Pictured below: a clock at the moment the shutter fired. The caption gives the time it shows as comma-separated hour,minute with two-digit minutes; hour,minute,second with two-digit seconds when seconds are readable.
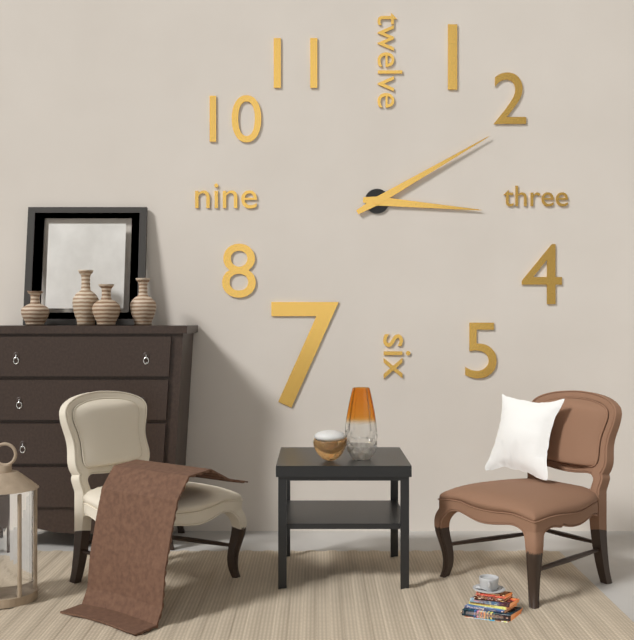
3,10
